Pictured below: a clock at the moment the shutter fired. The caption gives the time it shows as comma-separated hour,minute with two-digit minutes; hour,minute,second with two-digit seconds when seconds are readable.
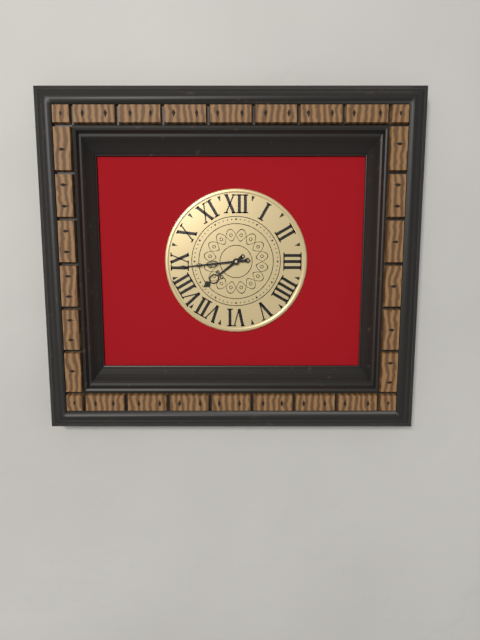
7,44
